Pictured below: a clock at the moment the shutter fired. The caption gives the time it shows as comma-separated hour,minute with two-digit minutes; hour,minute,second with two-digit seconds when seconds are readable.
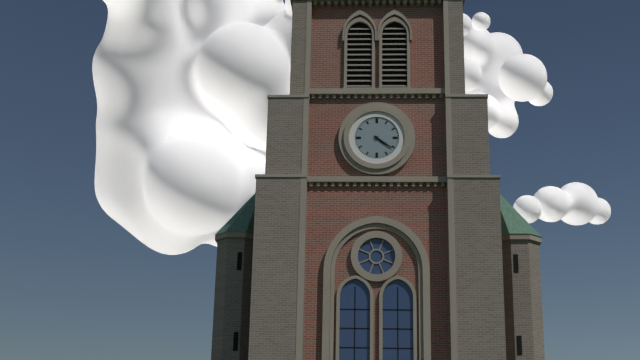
4,21
